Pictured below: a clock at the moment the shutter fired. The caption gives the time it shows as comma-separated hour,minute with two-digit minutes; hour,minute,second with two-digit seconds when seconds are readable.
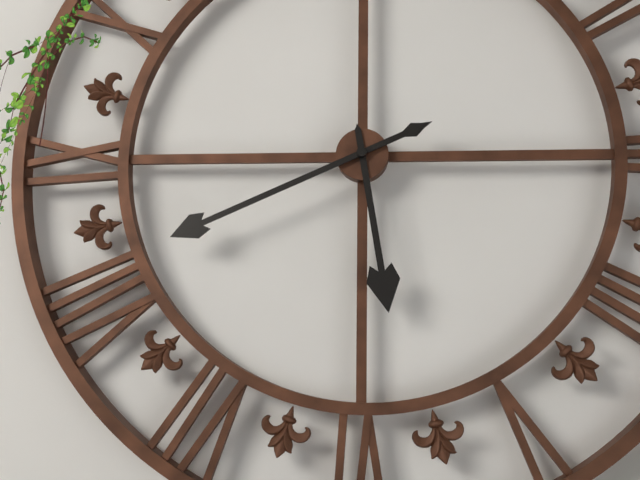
5,41
